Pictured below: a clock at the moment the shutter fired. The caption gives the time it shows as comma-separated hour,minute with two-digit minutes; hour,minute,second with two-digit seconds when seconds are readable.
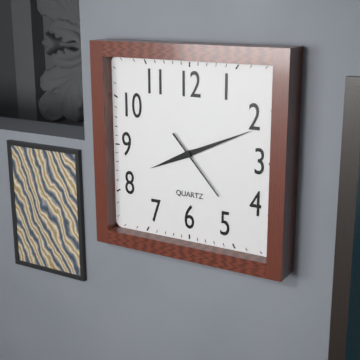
8,11,23
